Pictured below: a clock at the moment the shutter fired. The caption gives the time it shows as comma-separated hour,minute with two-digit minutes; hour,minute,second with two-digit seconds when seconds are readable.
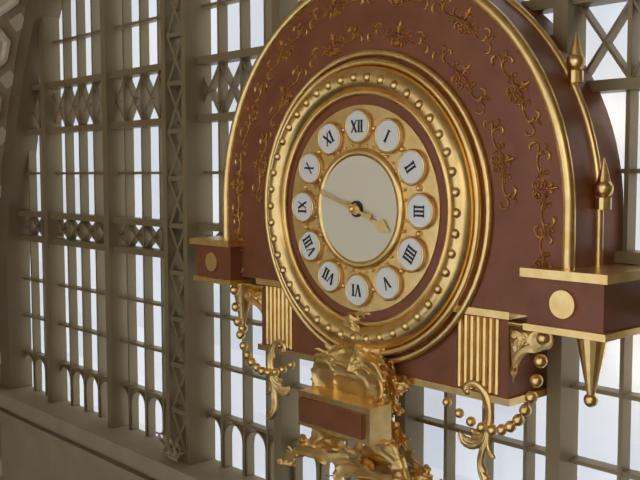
3,48
